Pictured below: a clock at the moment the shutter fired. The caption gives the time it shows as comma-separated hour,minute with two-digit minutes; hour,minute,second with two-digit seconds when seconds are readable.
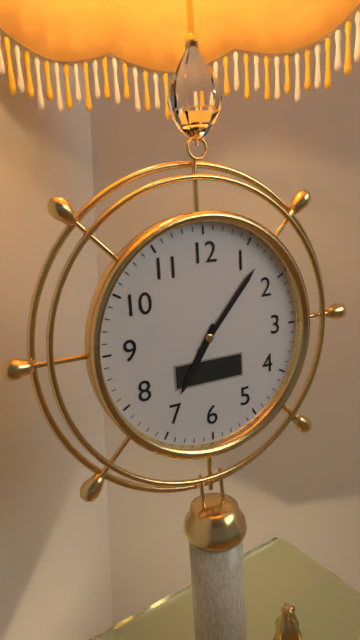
7,07
